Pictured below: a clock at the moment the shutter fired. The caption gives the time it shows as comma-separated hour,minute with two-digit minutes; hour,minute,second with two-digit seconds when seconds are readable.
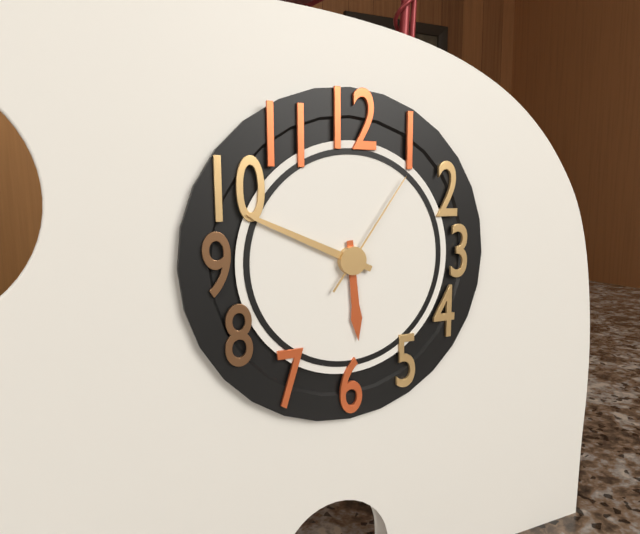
5,49,06
